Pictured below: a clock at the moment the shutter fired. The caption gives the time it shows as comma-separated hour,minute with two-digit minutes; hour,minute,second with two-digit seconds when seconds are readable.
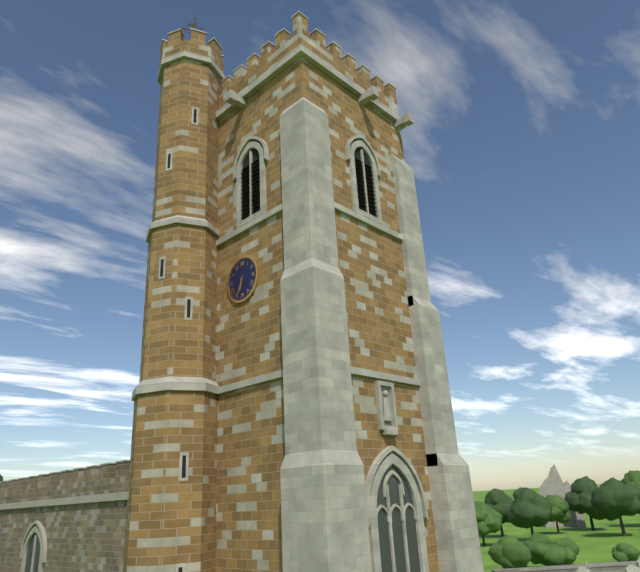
6,34
